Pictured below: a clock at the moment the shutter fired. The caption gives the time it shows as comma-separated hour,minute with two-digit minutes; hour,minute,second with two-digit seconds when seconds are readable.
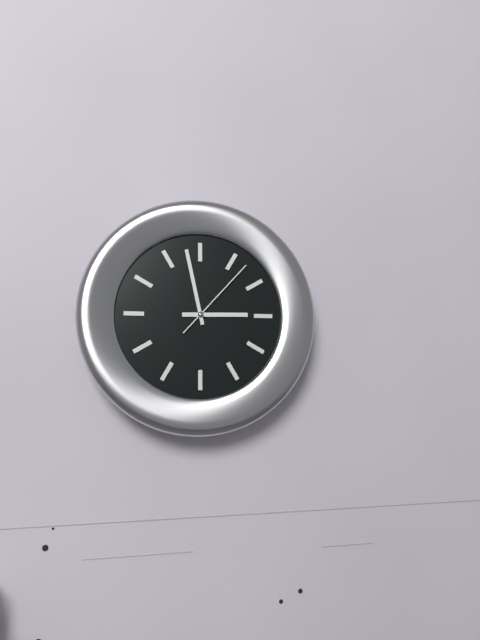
2,58,07
